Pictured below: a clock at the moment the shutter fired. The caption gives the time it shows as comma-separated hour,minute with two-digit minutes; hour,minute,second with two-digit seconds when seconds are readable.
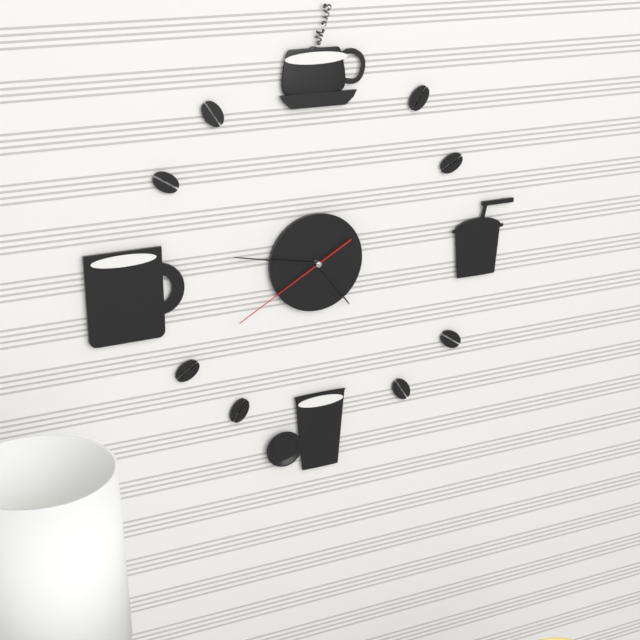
4,47,40
